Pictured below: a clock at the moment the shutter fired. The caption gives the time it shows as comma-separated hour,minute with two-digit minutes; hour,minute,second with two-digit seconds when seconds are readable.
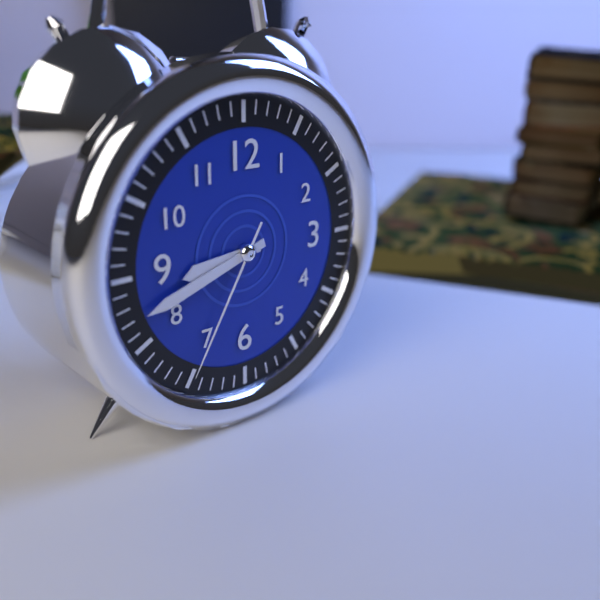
8,42,35
